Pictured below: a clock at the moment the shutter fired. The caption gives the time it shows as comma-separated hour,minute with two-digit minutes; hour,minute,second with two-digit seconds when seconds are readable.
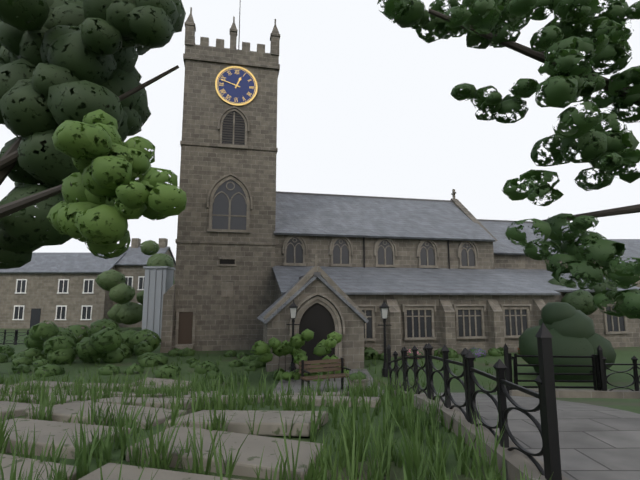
12,48
